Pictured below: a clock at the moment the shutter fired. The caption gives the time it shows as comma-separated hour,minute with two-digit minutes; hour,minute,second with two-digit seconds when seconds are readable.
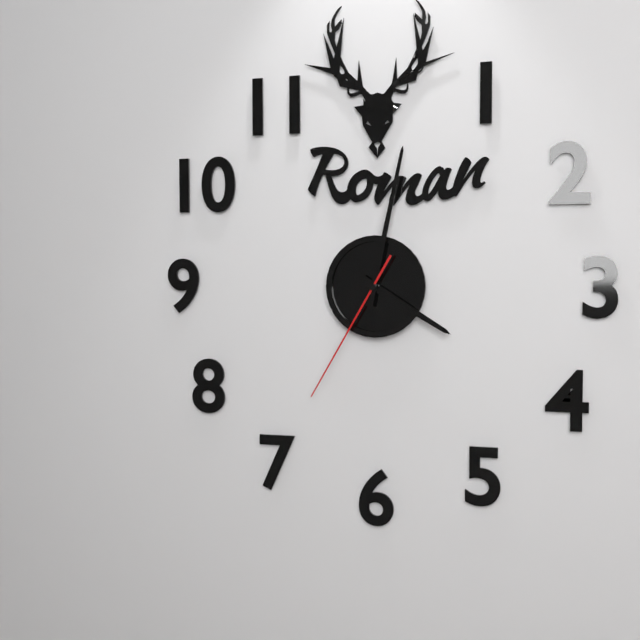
4,02,35
